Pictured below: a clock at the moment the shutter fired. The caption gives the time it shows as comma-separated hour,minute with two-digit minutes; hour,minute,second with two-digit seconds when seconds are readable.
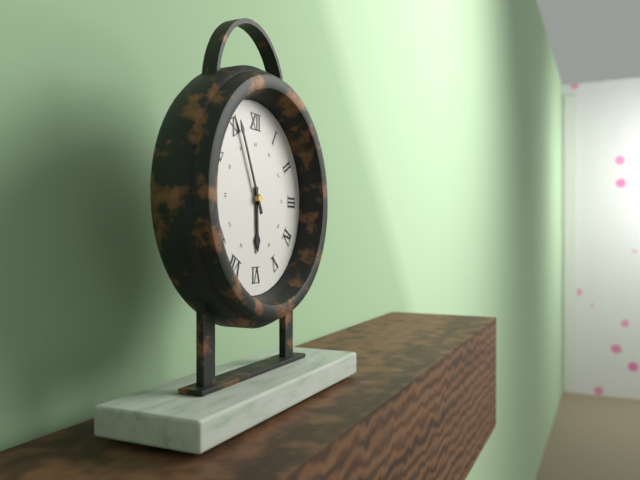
5,56
